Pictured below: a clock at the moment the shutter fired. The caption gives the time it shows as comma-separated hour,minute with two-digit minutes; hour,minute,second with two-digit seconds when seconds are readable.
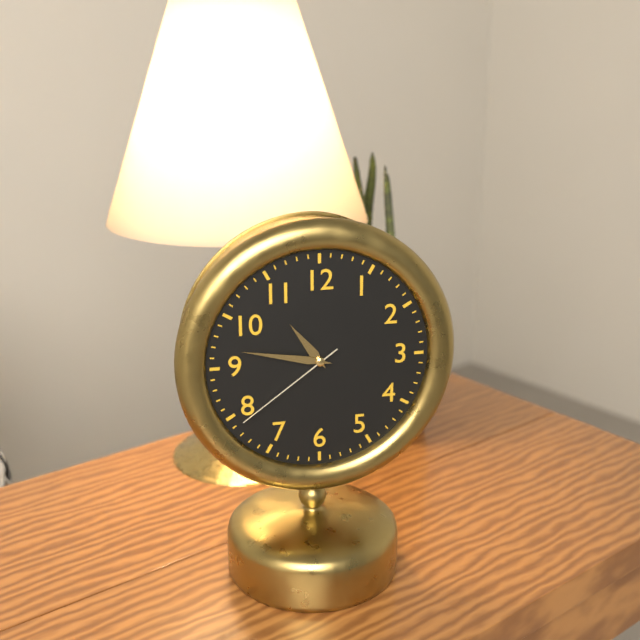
10,47,39
